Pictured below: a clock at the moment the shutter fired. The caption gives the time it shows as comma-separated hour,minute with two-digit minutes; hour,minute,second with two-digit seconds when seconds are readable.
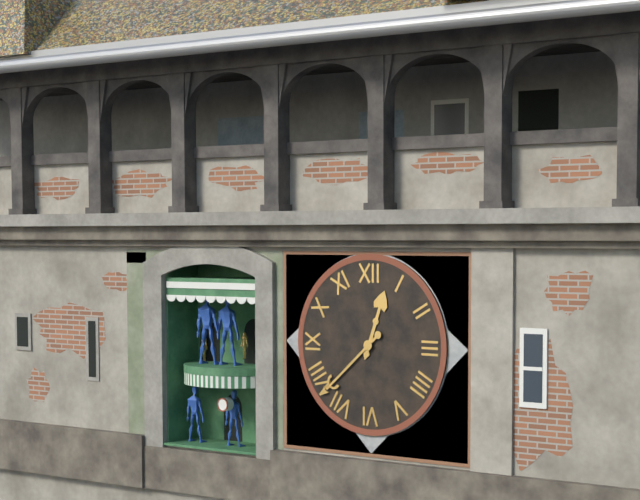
12,38
